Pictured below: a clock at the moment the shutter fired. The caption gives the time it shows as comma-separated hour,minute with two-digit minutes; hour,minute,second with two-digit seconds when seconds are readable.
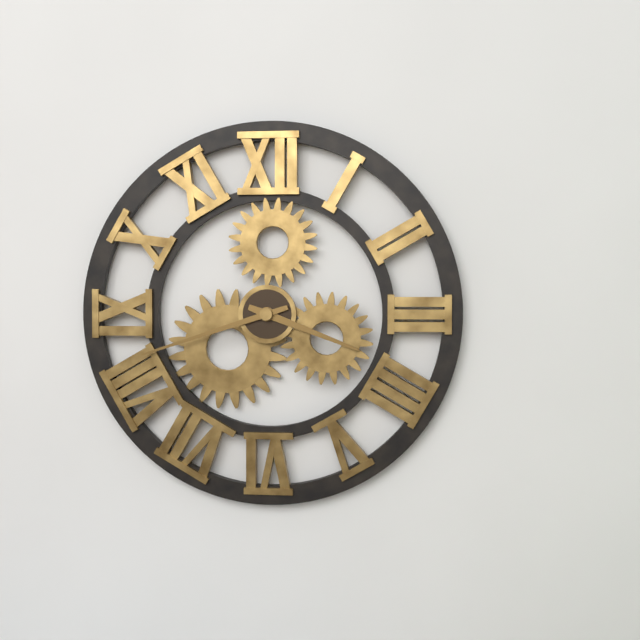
3,42
